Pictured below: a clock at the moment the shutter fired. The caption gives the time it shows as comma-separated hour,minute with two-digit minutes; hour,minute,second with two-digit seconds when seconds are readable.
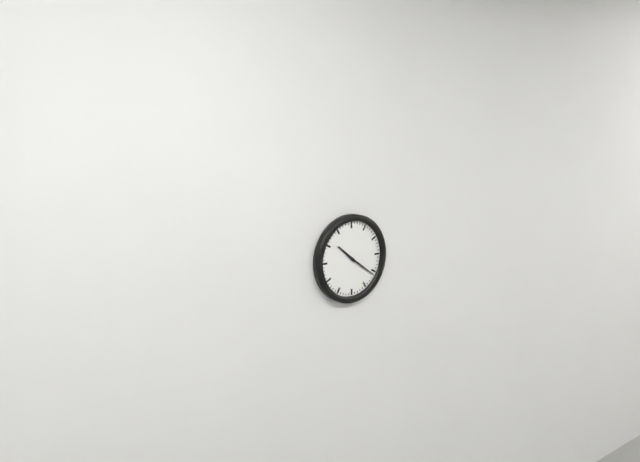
10,21
